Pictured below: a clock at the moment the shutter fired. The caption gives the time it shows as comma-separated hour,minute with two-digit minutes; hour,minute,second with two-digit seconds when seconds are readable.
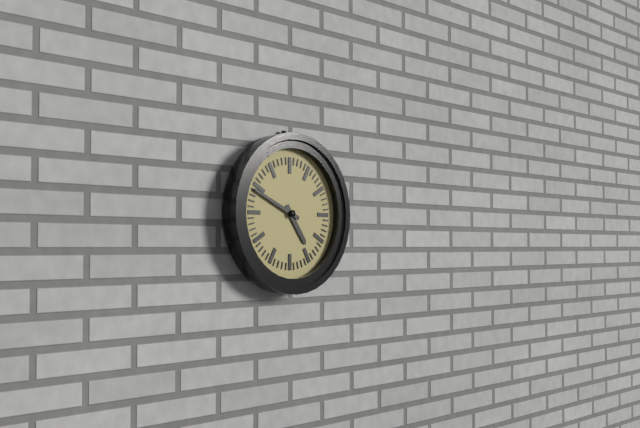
4,49
